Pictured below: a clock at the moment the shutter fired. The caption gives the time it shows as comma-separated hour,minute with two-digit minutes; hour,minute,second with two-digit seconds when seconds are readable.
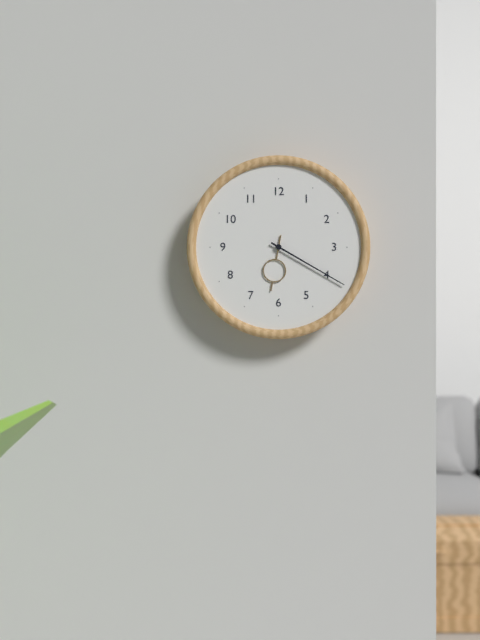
6,20
